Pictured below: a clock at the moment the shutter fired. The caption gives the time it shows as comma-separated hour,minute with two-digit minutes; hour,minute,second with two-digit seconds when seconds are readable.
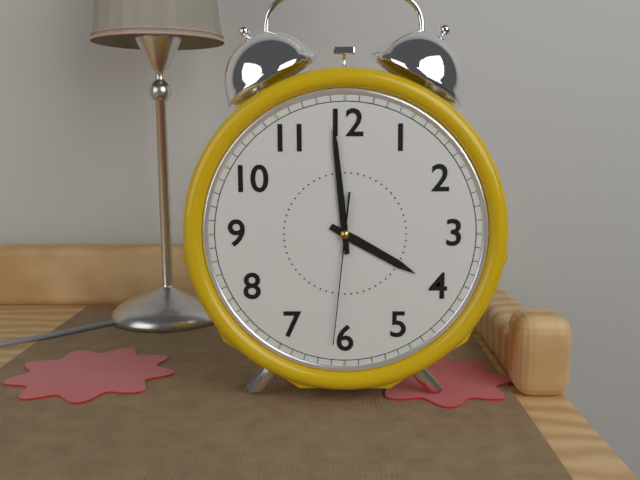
3,59,31
